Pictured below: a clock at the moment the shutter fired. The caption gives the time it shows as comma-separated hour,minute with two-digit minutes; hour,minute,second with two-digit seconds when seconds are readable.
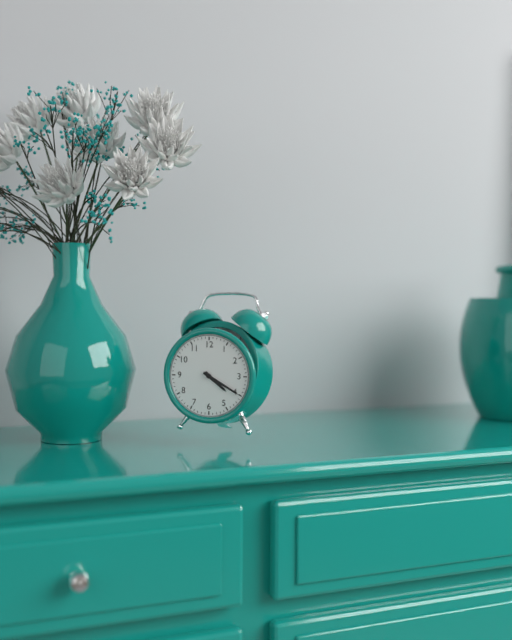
4,20
